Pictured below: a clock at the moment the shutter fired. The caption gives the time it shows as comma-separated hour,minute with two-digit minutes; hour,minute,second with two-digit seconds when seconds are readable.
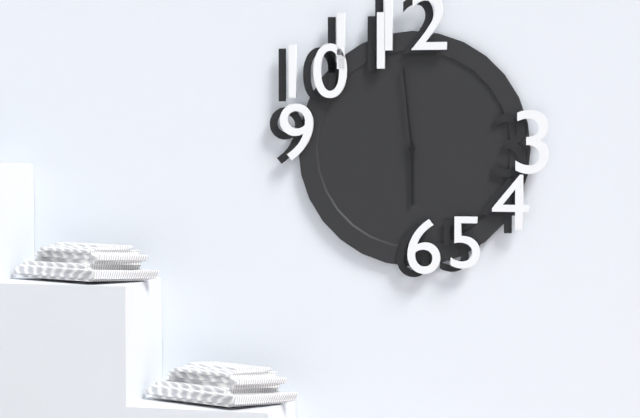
5,59
